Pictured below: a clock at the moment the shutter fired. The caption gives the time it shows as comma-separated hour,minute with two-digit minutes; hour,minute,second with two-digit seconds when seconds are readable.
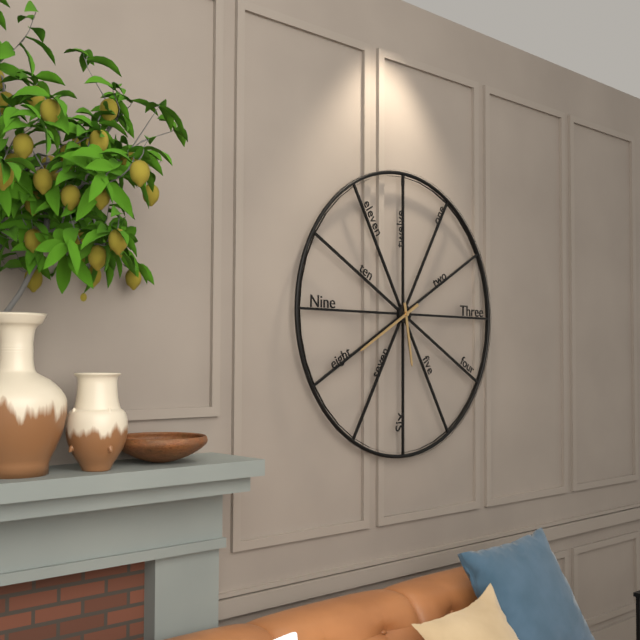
5,40
